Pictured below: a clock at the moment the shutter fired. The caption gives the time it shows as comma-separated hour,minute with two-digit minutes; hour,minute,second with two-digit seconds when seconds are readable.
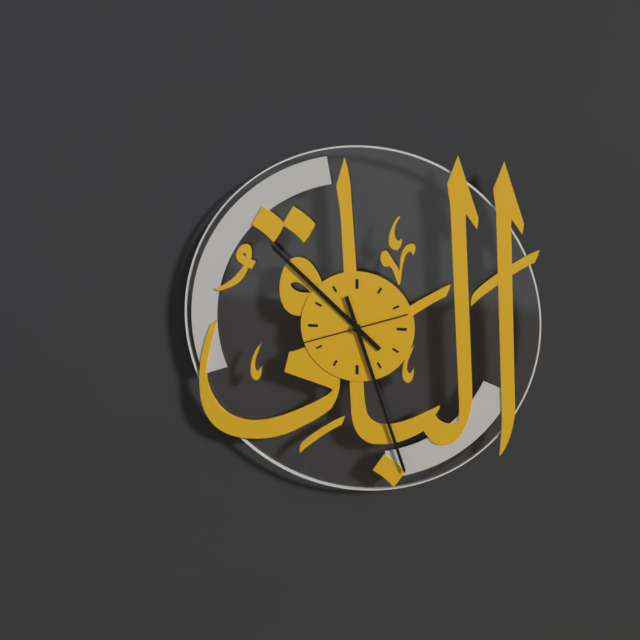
10,27,42
